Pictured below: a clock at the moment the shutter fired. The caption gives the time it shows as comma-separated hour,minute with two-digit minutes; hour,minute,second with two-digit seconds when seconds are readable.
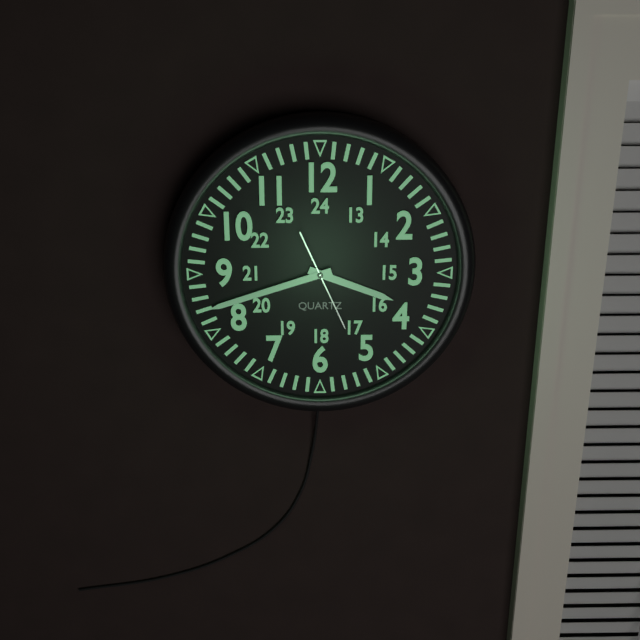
3,42,26
